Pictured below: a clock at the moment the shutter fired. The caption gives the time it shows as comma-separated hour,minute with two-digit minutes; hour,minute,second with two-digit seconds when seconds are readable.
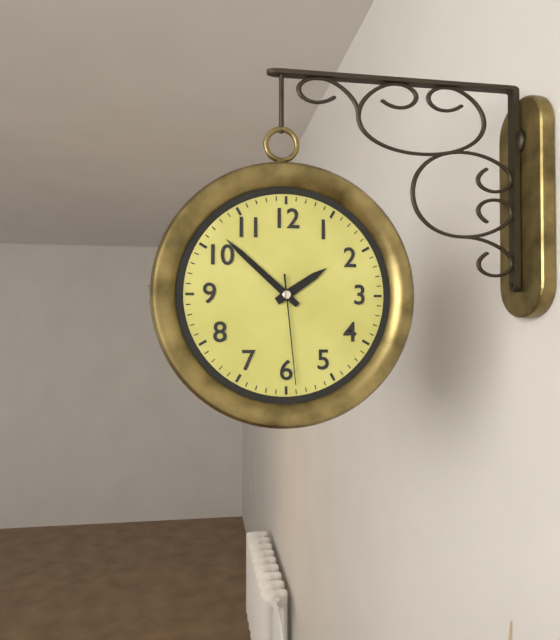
1,52,29
